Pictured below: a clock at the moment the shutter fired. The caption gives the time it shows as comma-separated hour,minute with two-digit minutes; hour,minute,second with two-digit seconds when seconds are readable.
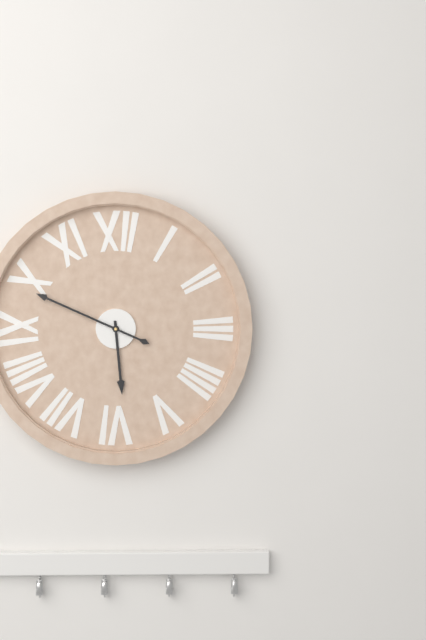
5,49
